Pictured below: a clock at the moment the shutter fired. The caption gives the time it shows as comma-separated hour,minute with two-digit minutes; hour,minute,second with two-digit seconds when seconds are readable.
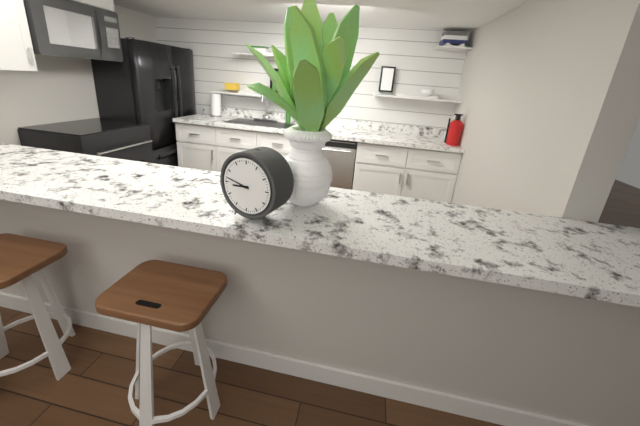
8,47
